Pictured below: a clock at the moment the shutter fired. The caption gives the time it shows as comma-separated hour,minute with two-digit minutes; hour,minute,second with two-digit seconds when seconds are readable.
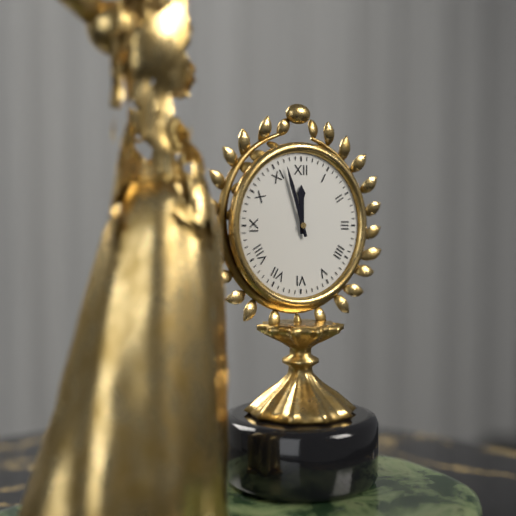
11,57
